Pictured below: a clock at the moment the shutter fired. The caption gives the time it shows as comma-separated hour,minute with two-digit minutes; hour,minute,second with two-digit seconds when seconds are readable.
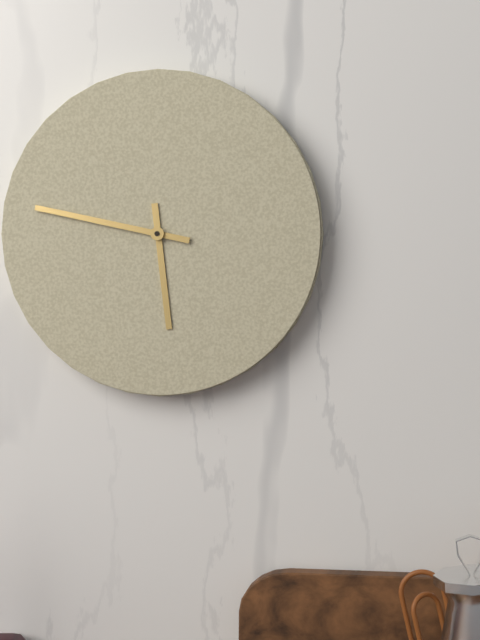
5,47
